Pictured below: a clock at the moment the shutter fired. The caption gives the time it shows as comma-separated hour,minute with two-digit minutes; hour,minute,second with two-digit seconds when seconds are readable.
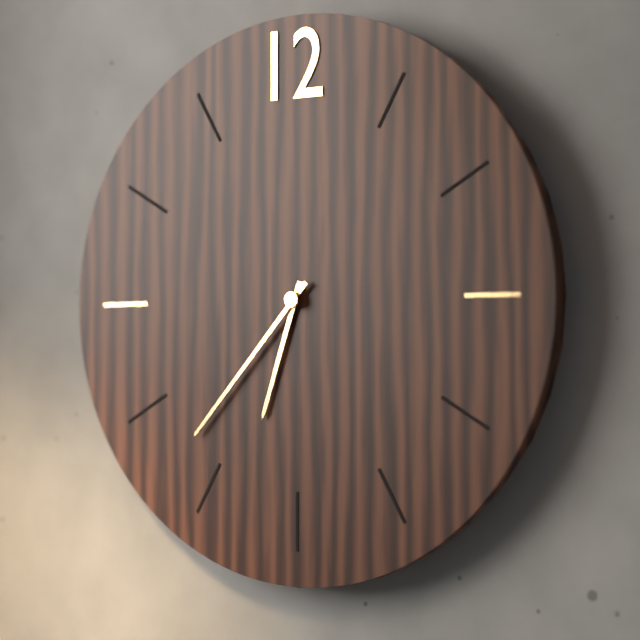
6,37
